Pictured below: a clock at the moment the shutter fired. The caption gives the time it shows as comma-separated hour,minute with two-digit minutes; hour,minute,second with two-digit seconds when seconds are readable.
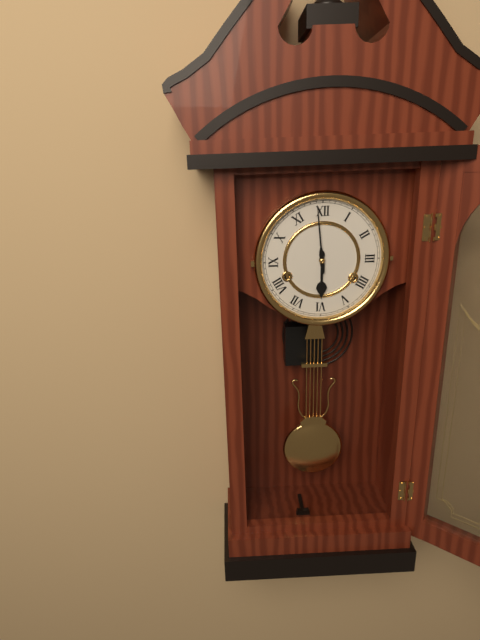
5,59
